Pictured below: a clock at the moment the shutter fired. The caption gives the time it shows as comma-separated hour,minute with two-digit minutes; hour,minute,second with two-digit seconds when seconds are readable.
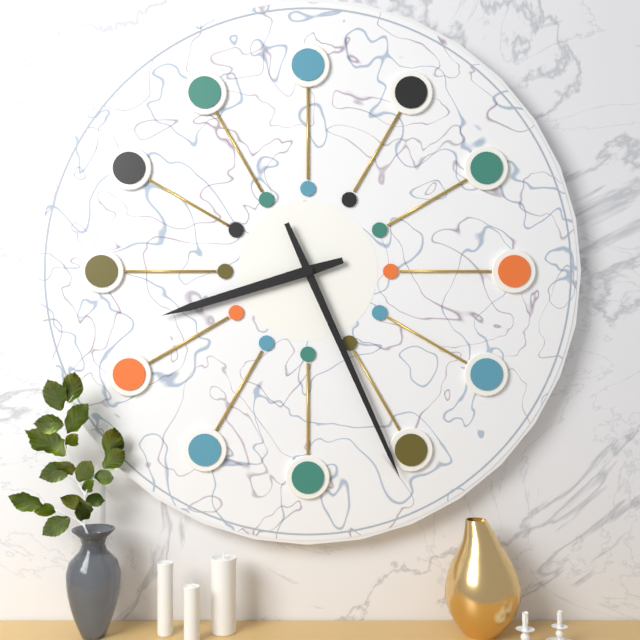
8,26
